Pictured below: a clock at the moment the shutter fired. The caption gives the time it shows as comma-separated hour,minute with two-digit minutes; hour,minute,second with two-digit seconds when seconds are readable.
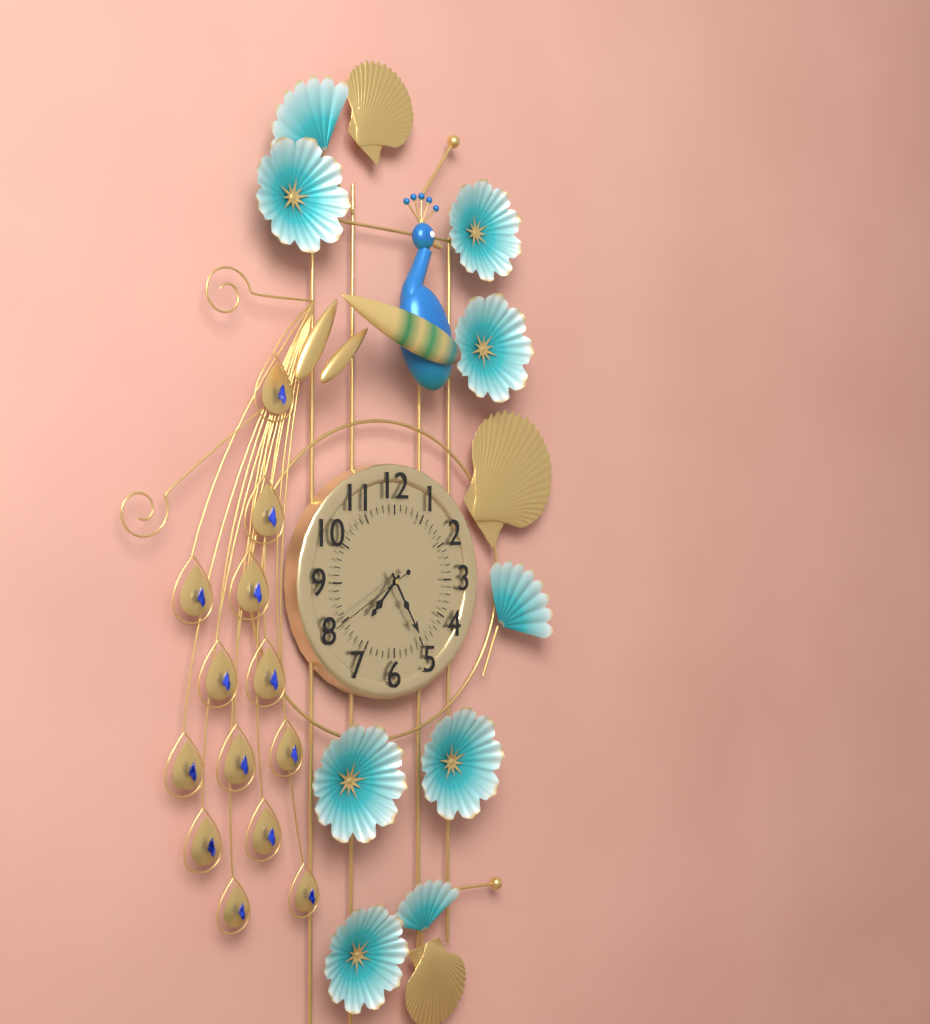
7,25,40
